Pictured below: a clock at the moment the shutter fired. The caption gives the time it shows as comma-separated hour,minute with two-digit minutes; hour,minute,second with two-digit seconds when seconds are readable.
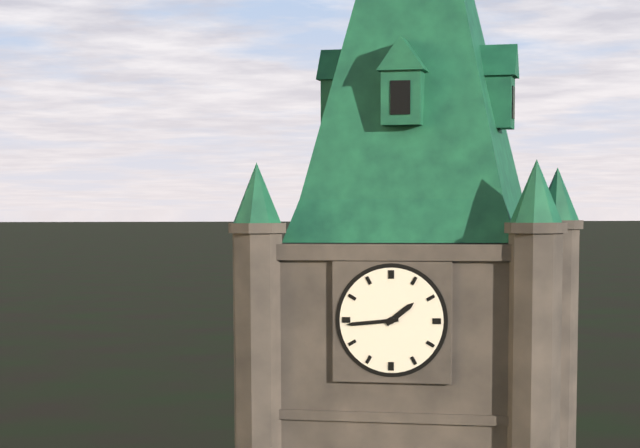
1,44
